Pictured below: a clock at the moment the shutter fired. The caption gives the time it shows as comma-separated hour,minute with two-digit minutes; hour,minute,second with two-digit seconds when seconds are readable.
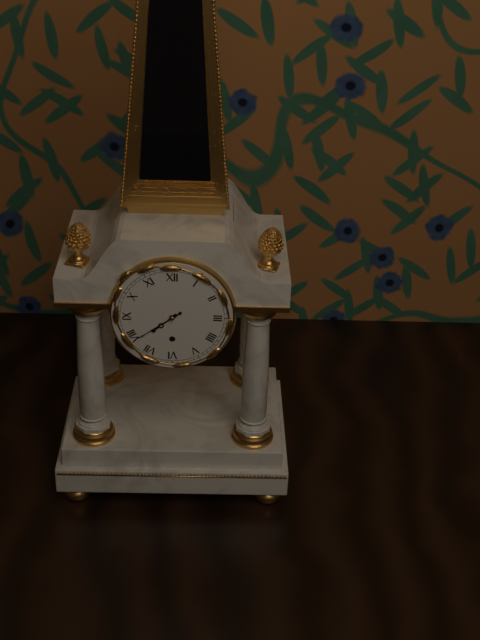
7,39
